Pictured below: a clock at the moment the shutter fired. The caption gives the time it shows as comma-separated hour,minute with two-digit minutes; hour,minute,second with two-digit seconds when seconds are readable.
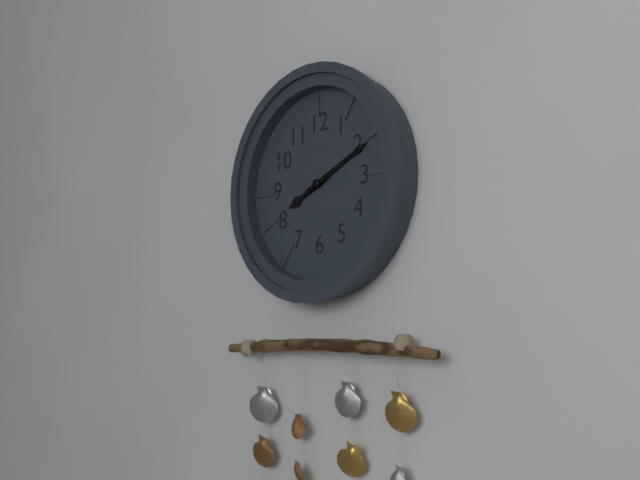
8,11
